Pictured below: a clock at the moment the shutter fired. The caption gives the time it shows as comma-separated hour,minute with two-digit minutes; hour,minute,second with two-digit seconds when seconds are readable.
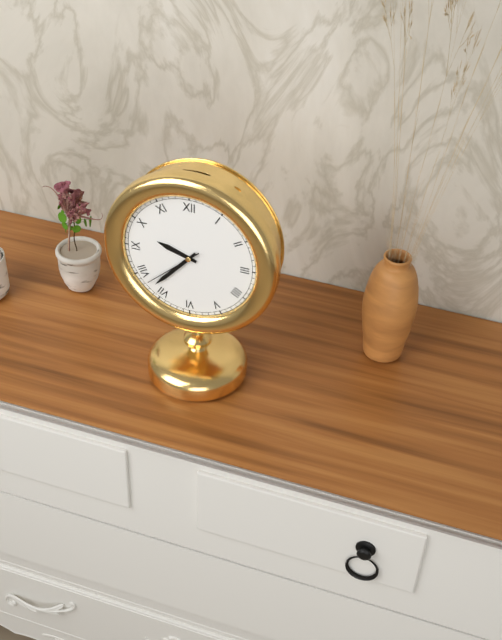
9,37,38
